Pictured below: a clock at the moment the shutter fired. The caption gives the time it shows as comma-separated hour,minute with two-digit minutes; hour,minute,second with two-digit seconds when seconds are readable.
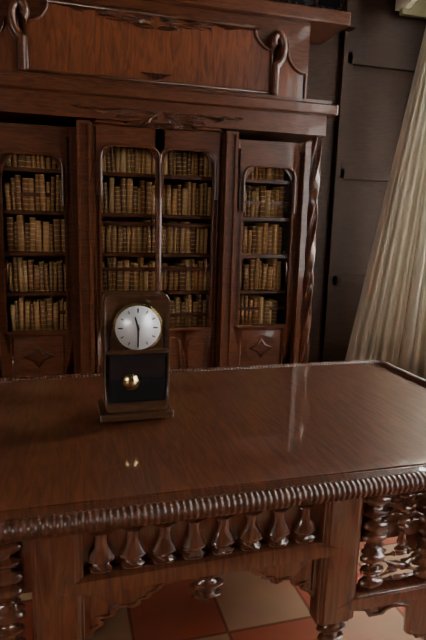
11,30
